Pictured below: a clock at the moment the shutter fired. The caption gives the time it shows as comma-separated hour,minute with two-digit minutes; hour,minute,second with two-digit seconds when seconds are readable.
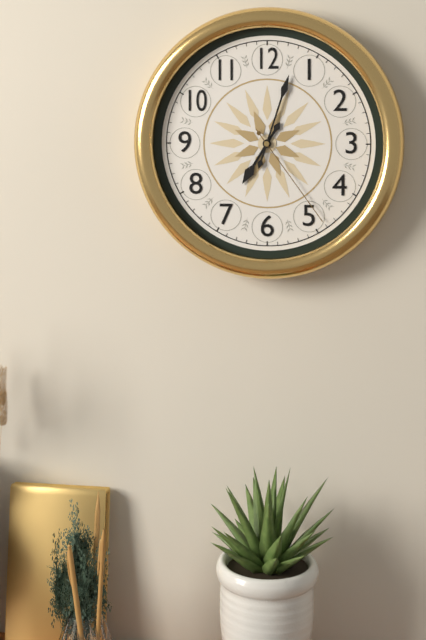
7,03,24
